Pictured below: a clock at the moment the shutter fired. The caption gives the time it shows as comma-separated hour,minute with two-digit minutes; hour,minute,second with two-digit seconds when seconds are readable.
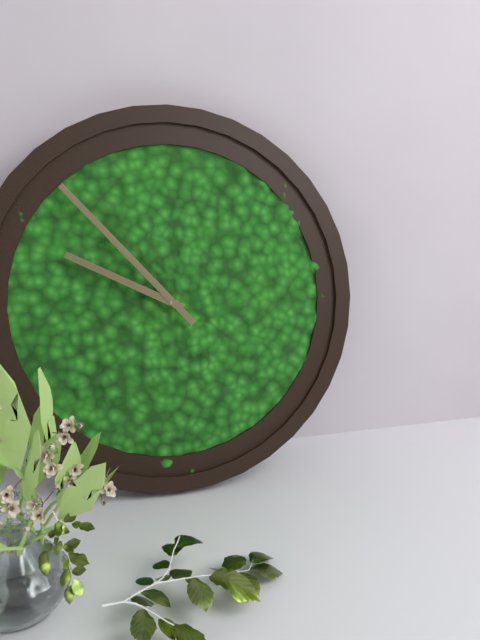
9,53
